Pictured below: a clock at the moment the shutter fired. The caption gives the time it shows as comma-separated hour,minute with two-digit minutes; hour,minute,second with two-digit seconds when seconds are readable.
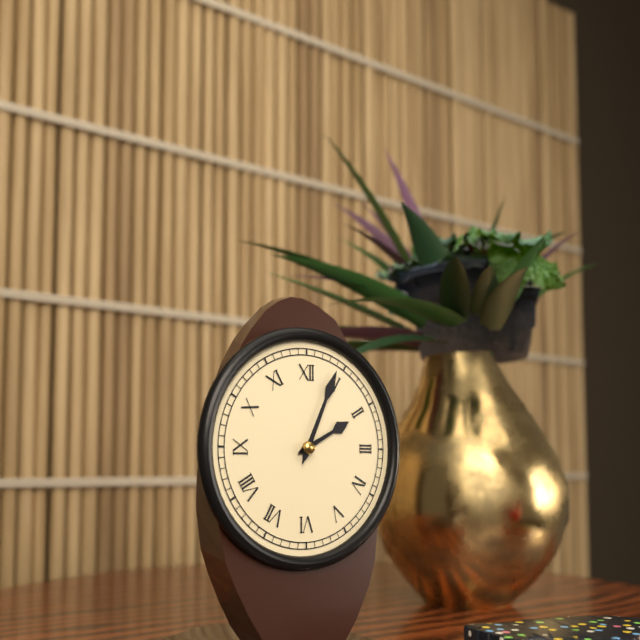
2,04
